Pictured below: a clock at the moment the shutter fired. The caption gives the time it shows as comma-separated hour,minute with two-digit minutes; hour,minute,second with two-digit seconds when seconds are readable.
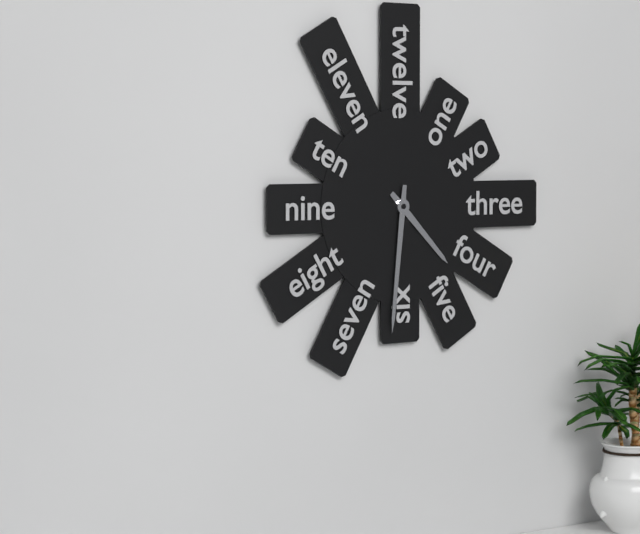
4,31
